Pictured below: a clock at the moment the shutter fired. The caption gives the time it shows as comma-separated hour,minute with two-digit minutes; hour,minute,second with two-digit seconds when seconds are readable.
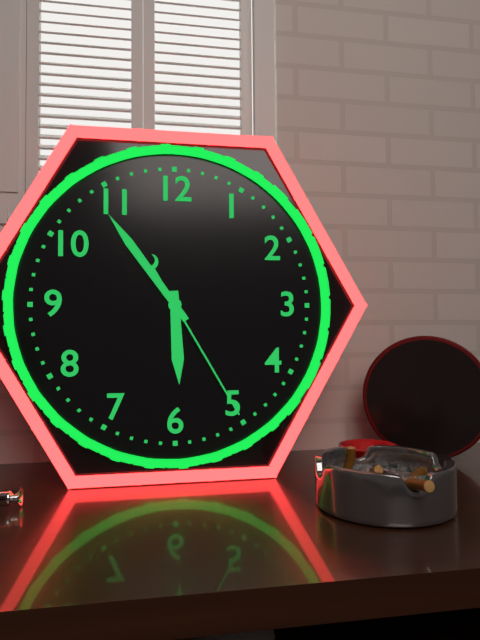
5,54,25
